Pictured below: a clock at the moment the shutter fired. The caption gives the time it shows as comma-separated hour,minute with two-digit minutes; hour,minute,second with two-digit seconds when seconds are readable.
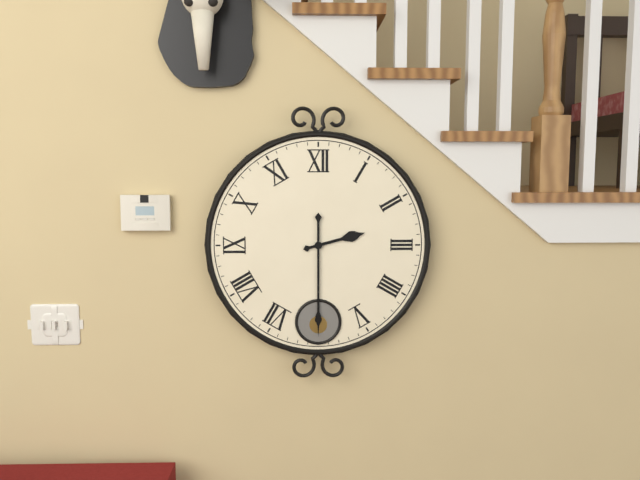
2,30
